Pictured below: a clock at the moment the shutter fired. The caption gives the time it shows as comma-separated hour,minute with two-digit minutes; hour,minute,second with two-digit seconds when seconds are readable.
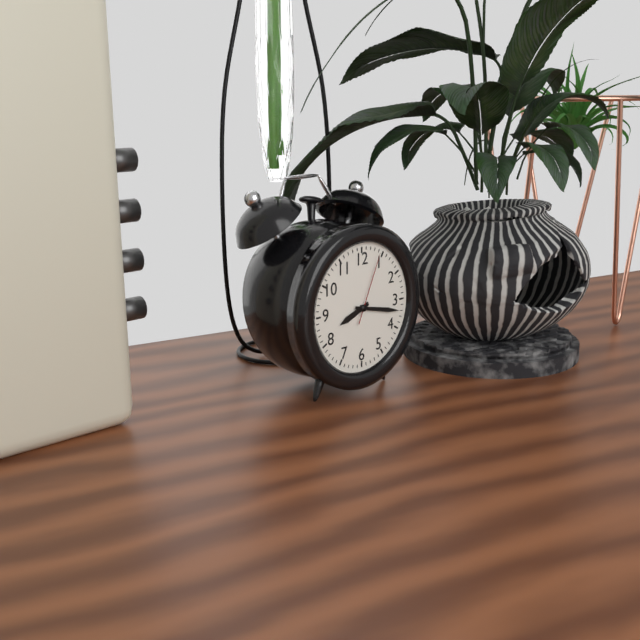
8,17,04
